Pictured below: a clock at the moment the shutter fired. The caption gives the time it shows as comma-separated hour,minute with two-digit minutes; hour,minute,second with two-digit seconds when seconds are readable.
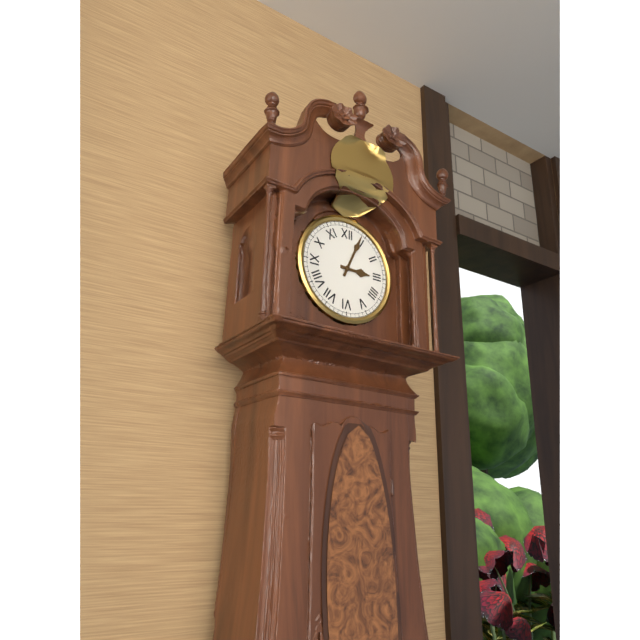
3,04
